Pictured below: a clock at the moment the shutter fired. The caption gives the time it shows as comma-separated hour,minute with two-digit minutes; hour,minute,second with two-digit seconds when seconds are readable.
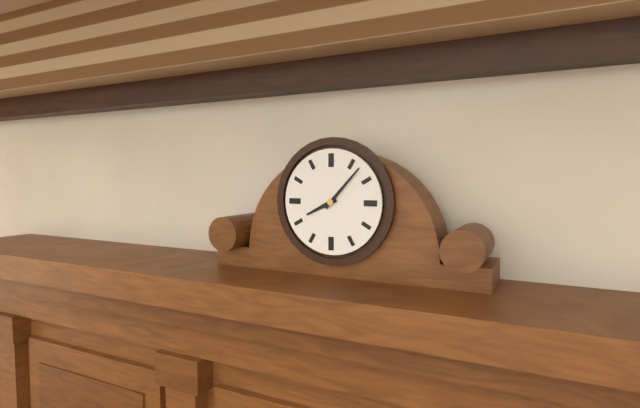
8,07
